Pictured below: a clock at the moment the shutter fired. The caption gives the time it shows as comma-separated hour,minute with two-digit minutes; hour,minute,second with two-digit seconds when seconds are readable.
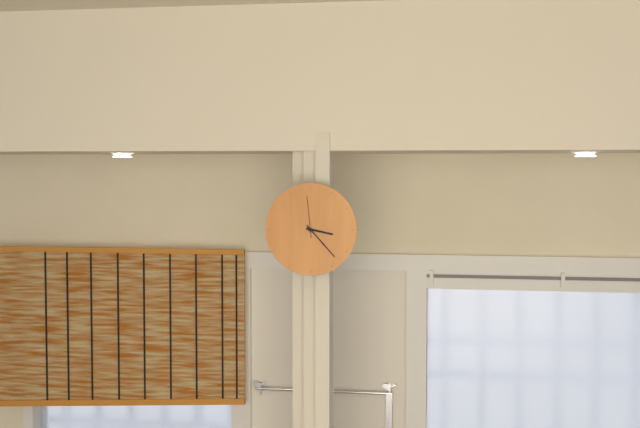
3,23
